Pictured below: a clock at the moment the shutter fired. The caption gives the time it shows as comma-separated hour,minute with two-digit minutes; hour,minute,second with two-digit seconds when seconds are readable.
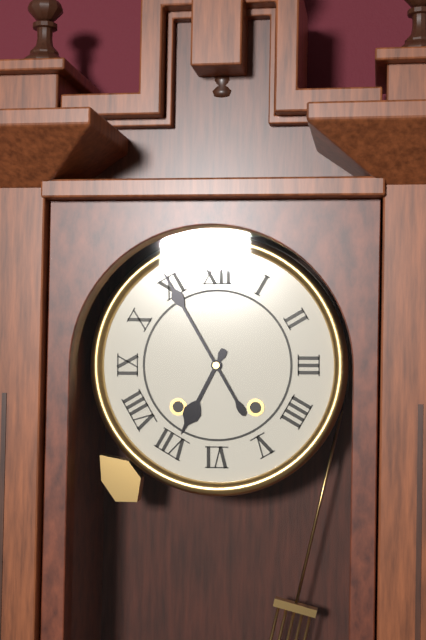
6,55
